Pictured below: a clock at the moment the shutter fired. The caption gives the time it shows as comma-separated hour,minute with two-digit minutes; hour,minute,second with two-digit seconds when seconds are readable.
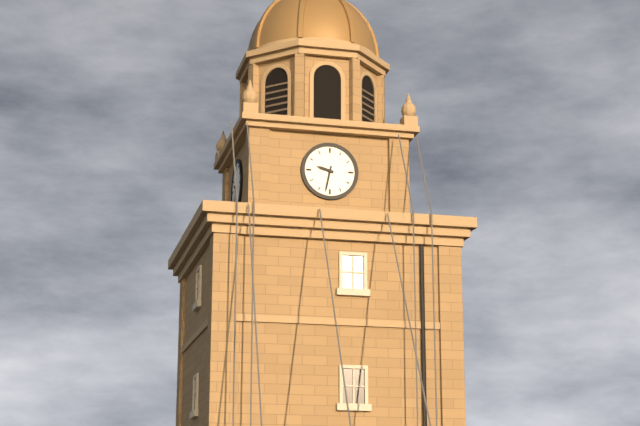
9,32
